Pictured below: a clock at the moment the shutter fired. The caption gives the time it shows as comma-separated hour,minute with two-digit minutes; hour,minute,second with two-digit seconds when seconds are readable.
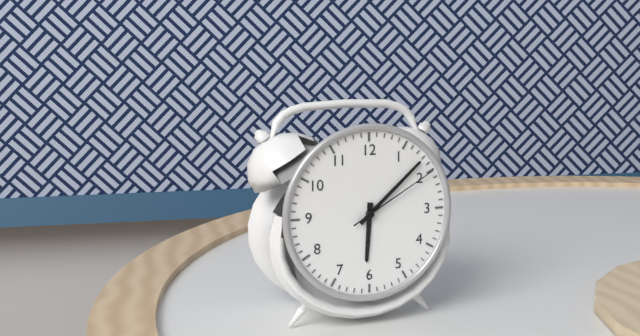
6,08,10
